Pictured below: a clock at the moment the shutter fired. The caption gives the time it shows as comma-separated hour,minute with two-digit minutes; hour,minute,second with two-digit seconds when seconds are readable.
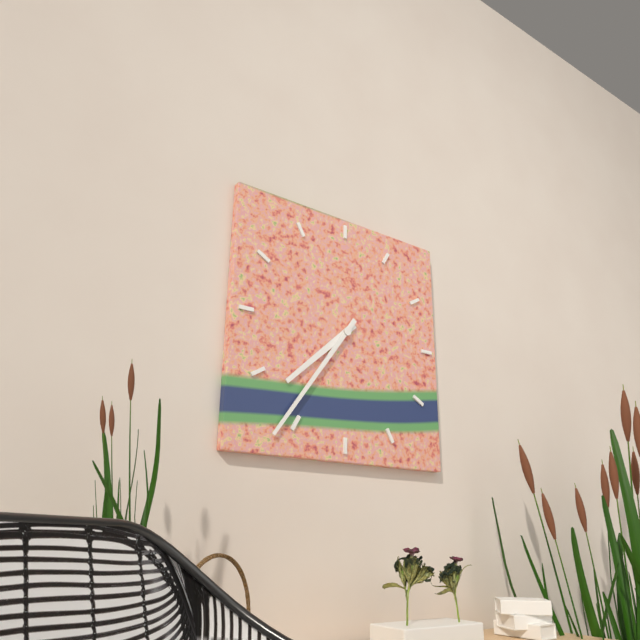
7,36
